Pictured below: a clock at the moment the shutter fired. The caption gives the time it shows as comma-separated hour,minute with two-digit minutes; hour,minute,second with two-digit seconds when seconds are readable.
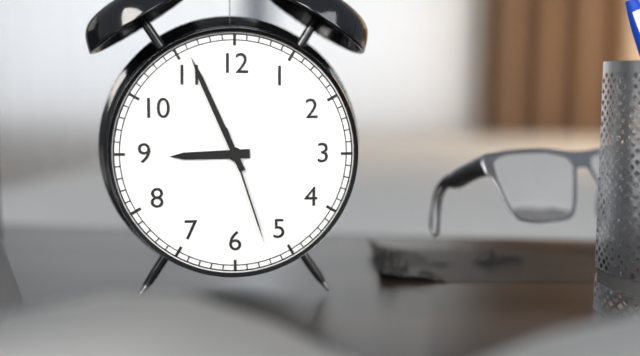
8,56,27
